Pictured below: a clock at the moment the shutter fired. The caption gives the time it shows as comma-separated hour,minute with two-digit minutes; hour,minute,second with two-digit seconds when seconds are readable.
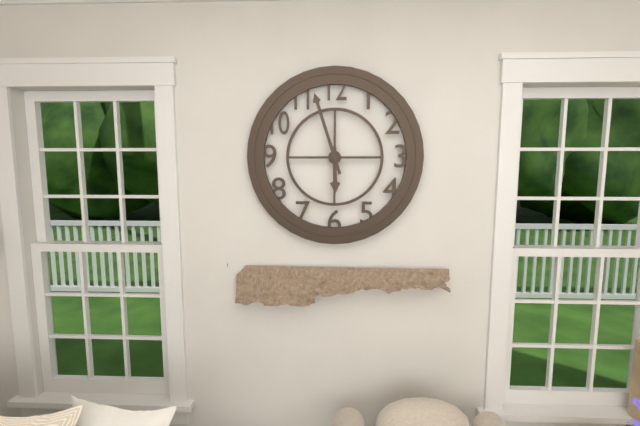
5,57
